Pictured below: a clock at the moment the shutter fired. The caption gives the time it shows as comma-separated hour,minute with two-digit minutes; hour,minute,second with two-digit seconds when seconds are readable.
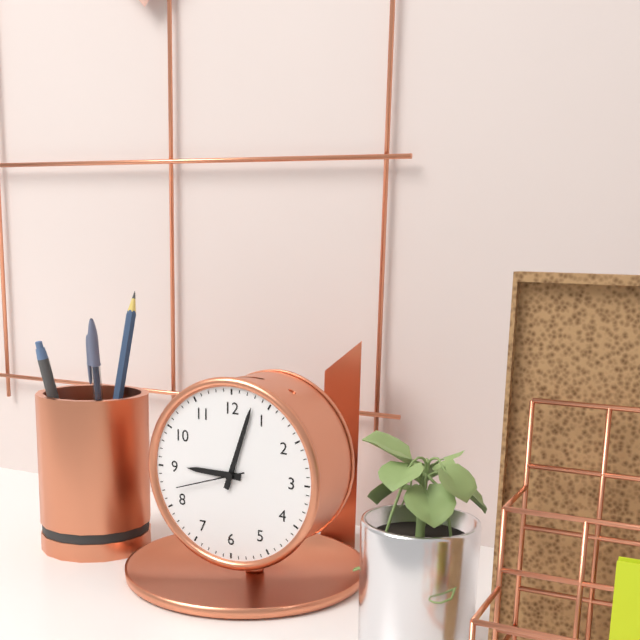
9,03,42
